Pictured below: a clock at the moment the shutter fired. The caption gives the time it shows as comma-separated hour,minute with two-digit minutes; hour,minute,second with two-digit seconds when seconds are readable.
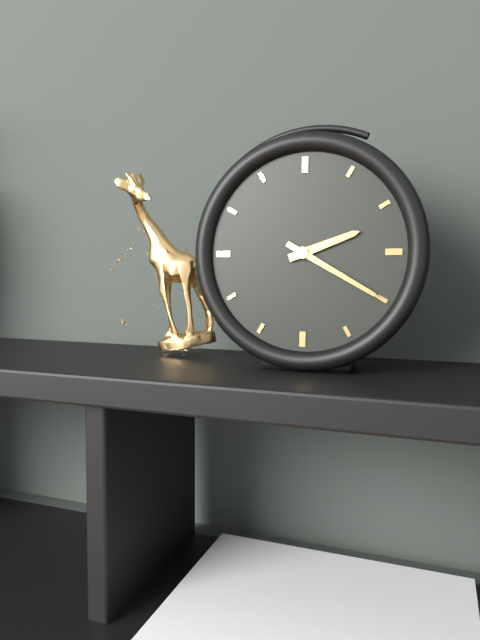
2,20
